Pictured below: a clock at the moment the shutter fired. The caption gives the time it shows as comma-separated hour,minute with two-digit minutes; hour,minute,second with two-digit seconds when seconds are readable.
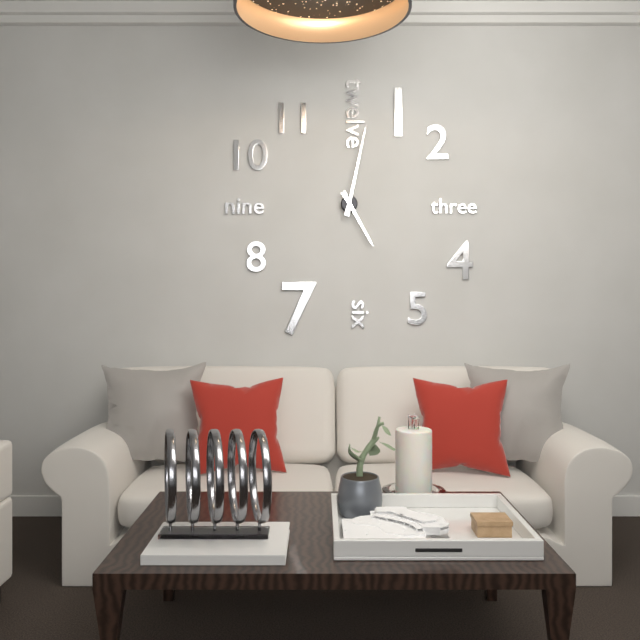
5,02
